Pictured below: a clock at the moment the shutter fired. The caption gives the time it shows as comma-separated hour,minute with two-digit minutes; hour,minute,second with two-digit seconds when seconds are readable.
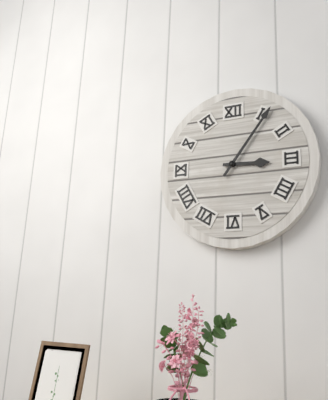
3,06
